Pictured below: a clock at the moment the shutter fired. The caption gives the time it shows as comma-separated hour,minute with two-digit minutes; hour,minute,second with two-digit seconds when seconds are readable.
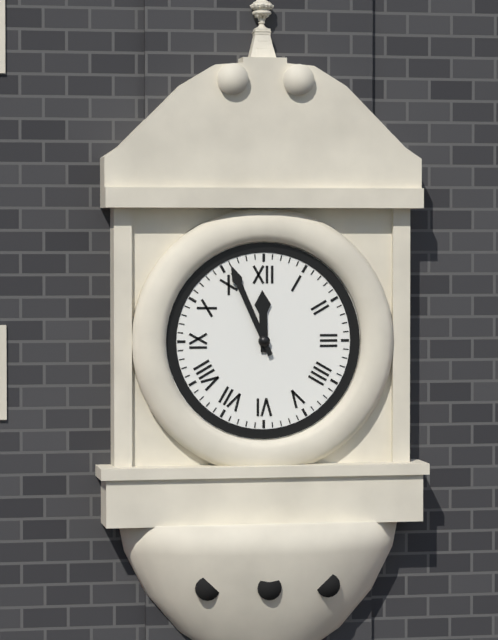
11,56
